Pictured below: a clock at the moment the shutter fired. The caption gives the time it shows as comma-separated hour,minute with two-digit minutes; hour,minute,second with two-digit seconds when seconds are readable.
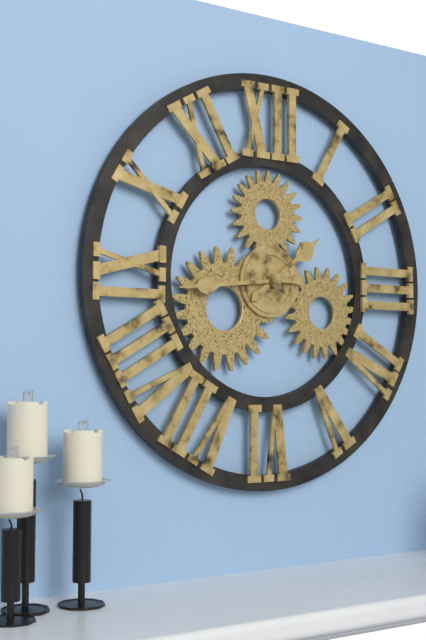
1,44
